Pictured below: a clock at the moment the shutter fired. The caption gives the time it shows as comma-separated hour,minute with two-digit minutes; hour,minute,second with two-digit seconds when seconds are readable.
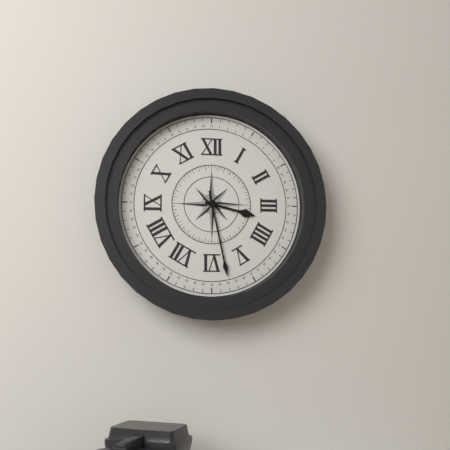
3,28
